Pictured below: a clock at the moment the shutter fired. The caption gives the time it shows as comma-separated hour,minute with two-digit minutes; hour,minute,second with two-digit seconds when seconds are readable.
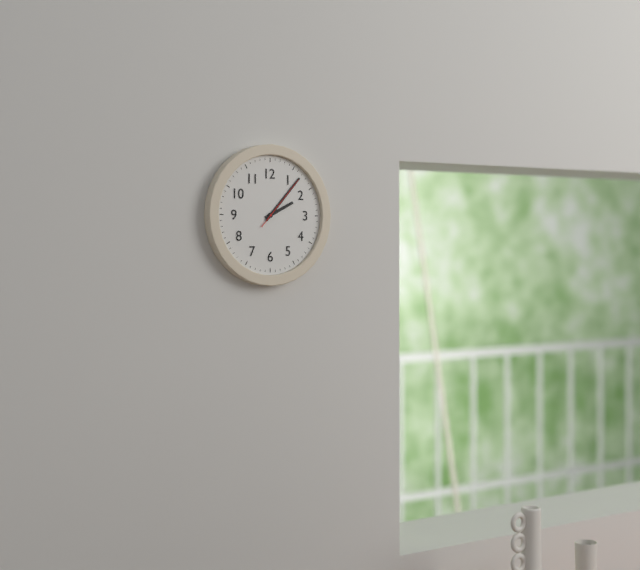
2,07,07
